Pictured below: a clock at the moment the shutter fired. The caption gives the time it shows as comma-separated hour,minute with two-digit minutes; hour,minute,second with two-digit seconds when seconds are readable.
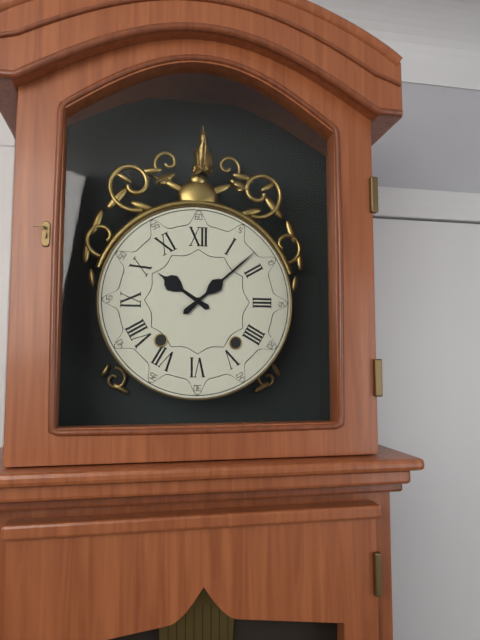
10,08
